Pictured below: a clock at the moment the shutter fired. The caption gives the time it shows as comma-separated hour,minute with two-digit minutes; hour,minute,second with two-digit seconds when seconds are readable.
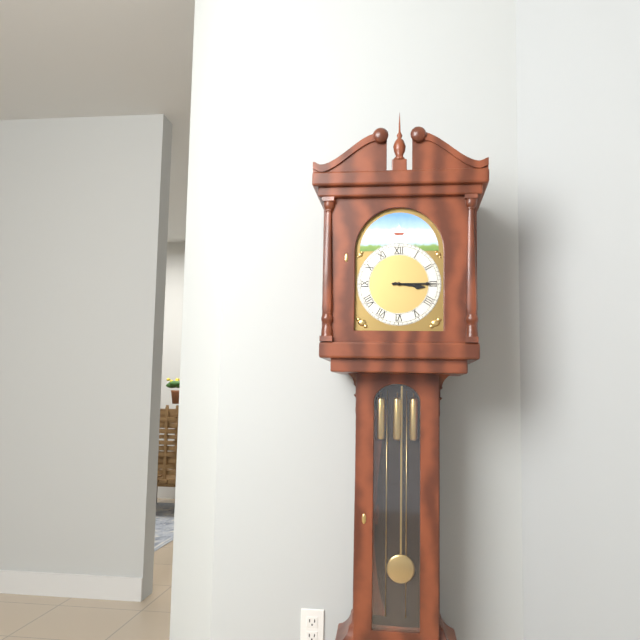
3,15
